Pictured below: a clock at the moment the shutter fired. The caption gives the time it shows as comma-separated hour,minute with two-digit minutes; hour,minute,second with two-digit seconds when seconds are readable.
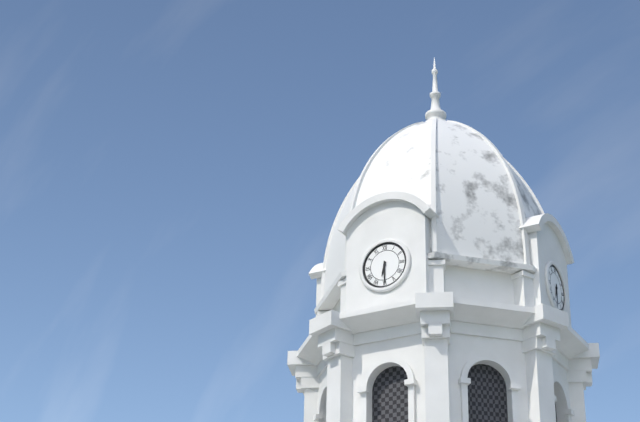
6,30
